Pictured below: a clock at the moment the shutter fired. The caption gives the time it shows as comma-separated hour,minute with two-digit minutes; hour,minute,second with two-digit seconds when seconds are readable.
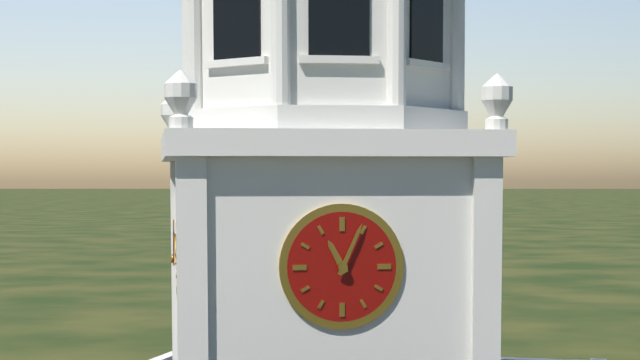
11,04
